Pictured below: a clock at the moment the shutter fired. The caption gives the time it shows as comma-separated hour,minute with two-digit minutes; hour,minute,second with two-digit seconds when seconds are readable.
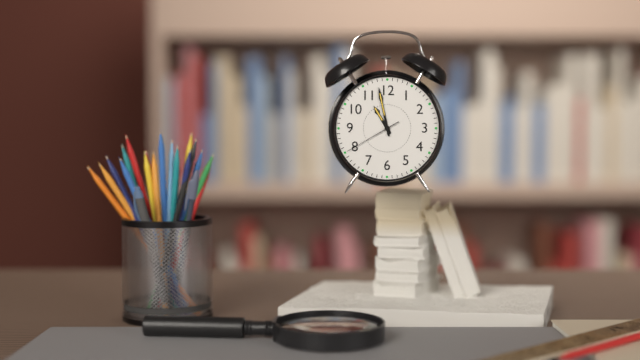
10,58,40
